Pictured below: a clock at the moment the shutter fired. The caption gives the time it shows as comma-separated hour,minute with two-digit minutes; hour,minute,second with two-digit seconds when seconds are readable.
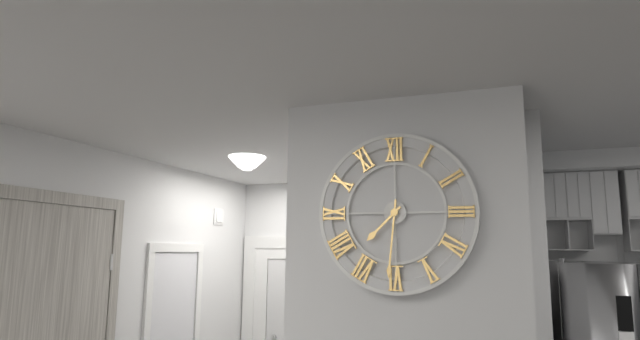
7,31
